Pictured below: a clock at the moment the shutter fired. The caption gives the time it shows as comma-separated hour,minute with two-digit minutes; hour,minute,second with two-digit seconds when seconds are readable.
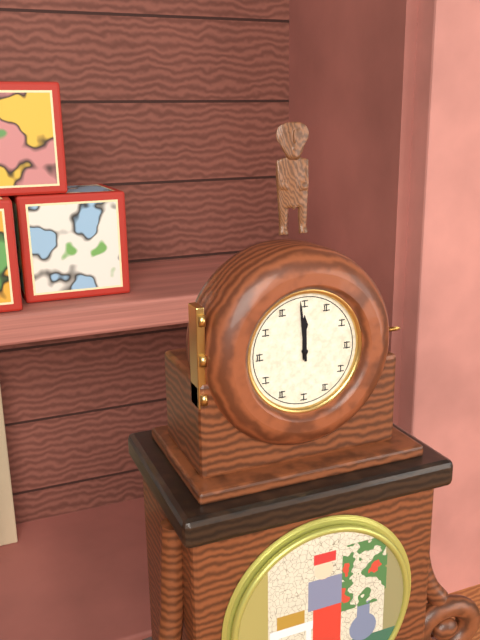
11,59
